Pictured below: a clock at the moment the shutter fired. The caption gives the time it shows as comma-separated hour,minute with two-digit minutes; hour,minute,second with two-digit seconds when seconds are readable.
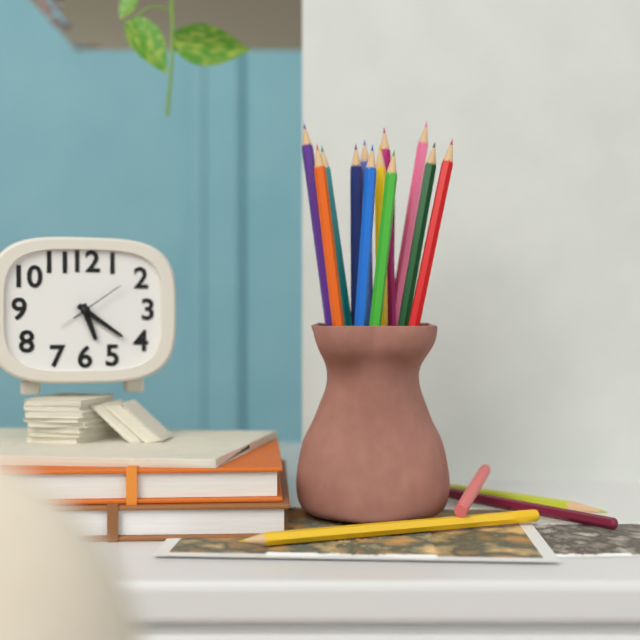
5,21,09
